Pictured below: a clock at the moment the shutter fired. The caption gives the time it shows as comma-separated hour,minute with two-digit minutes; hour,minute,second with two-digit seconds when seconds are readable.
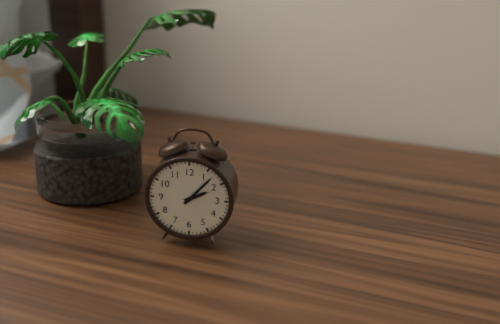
2,07
